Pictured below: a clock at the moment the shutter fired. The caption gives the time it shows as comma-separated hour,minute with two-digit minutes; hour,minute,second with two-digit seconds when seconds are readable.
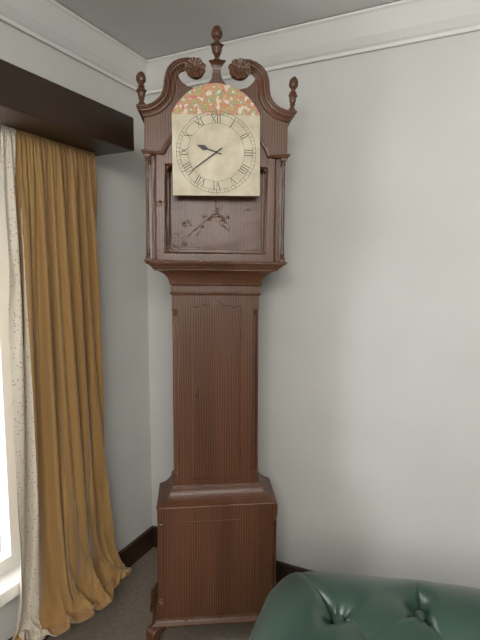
9,39
